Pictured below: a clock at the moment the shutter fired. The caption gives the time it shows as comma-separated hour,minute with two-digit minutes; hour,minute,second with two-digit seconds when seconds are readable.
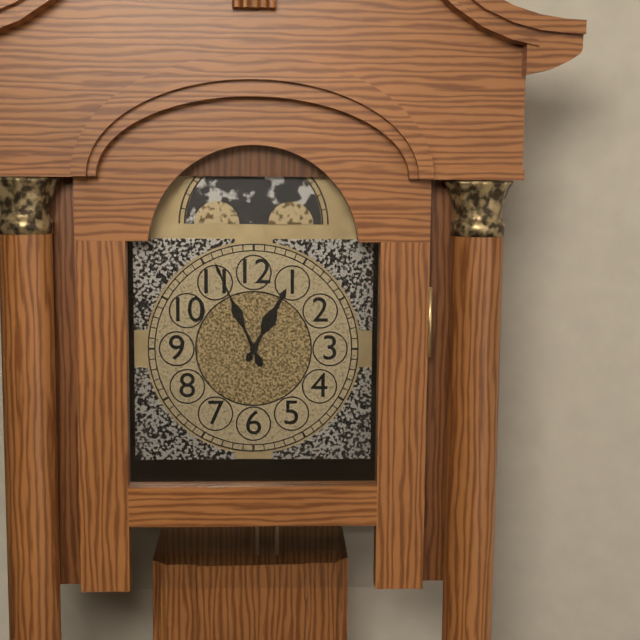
12,56
